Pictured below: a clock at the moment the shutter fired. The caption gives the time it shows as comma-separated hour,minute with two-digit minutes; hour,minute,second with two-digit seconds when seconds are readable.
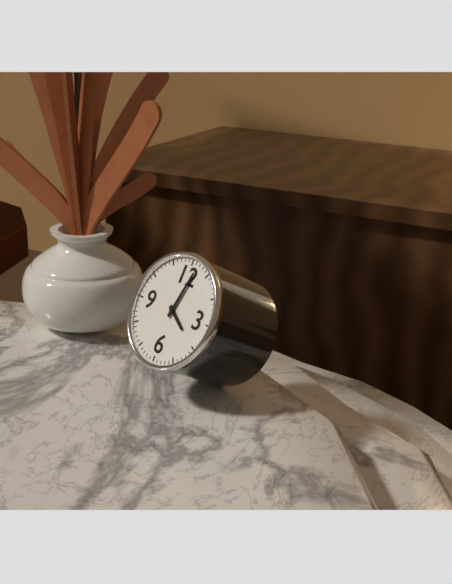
4,02
